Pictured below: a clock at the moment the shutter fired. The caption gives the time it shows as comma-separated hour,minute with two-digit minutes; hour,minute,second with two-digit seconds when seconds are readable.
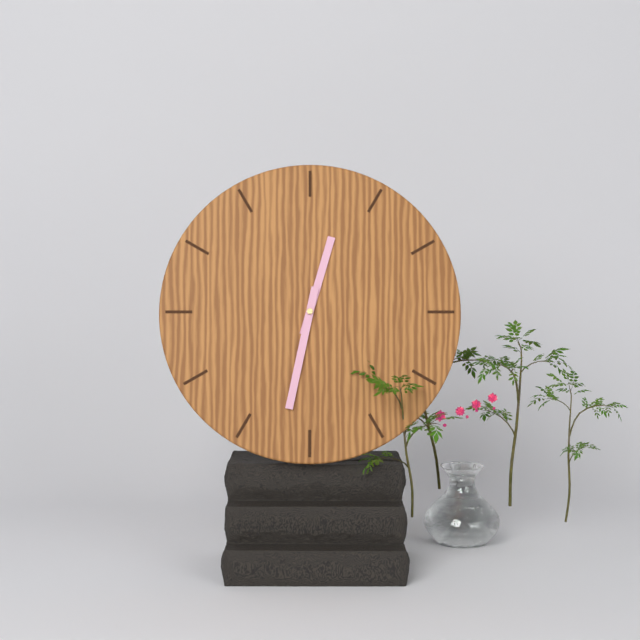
12,32
